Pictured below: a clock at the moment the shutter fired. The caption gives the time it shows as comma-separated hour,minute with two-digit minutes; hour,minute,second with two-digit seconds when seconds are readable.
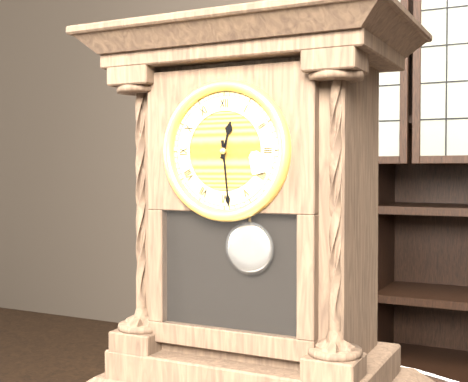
12,29
